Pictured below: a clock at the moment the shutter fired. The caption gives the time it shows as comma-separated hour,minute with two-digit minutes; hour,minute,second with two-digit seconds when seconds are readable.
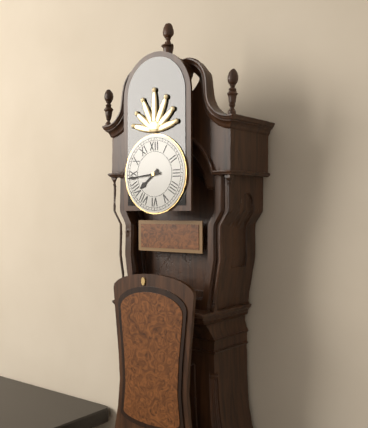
7,44
